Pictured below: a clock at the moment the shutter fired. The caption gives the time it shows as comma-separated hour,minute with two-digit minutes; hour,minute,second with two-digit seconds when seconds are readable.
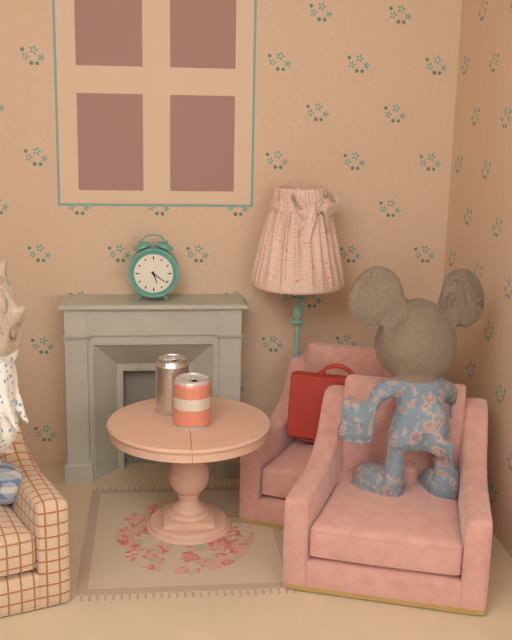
5,21
